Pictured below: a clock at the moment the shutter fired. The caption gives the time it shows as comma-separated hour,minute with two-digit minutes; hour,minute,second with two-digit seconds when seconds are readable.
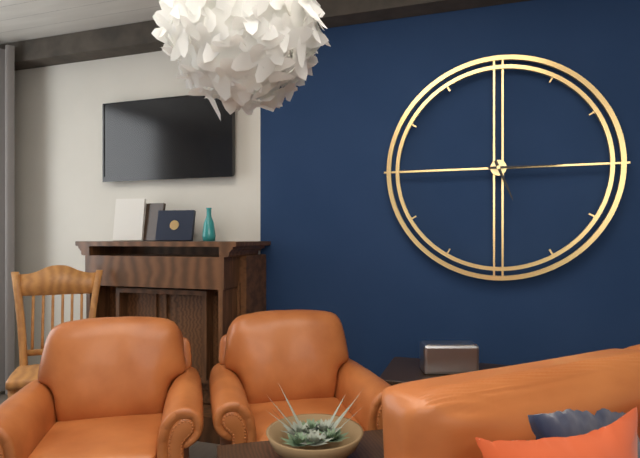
5,15
